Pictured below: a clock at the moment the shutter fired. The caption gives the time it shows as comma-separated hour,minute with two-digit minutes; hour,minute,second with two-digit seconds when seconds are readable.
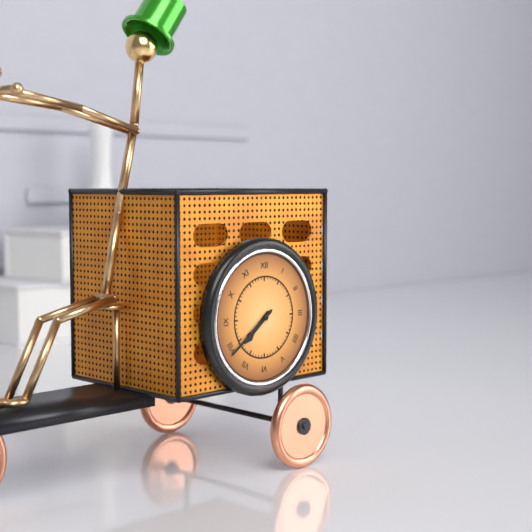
7,39
